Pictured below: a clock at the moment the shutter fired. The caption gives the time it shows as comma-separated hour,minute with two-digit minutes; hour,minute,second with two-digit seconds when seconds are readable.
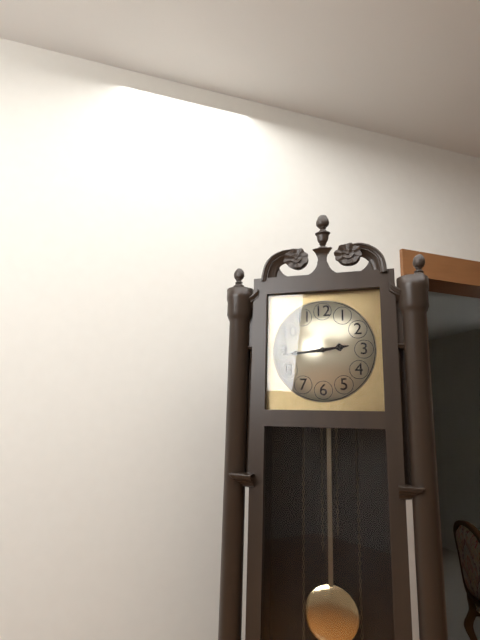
2,44
